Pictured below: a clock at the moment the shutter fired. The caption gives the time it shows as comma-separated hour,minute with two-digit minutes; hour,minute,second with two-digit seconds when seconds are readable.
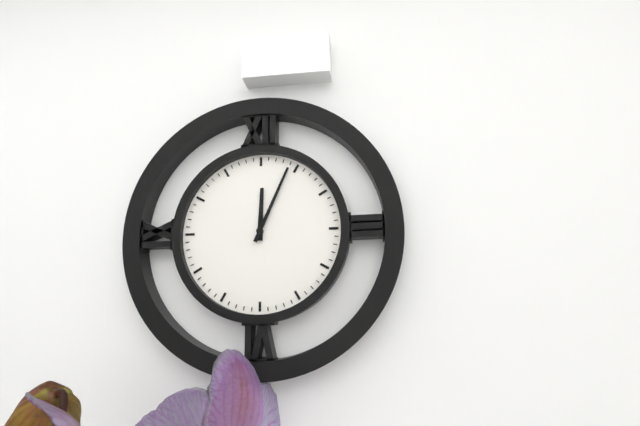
12,04
